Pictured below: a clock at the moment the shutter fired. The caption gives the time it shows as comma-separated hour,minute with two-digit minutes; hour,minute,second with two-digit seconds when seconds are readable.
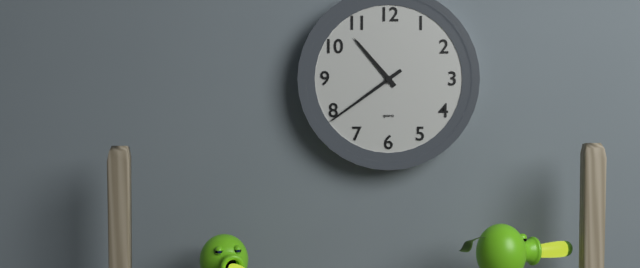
10,39
